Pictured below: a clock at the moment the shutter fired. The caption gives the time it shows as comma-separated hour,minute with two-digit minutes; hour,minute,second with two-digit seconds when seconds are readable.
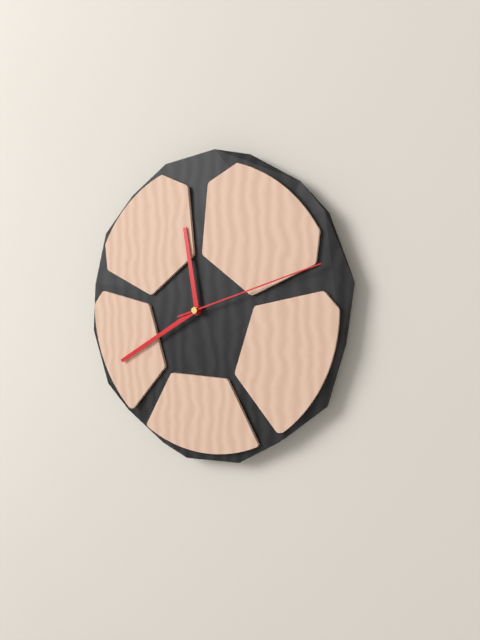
11,40,12
